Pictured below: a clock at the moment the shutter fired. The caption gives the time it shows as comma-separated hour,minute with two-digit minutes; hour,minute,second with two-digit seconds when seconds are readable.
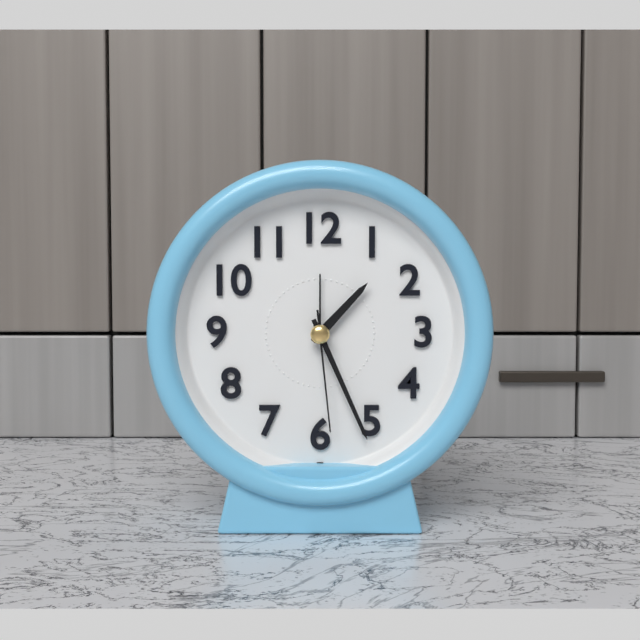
1,26,29
